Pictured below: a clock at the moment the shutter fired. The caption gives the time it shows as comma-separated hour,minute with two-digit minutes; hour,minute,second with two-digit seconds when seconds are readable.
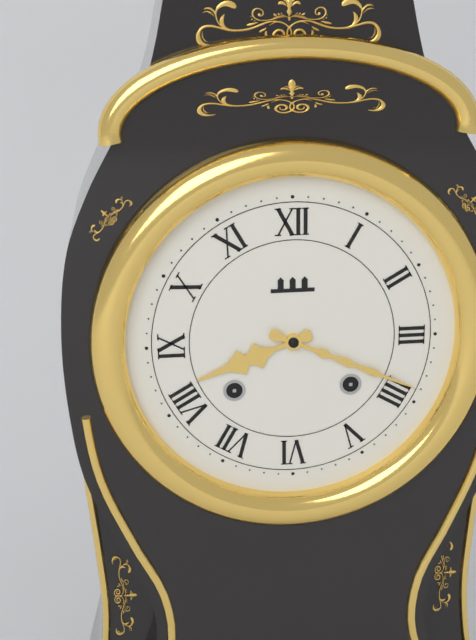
8,19
